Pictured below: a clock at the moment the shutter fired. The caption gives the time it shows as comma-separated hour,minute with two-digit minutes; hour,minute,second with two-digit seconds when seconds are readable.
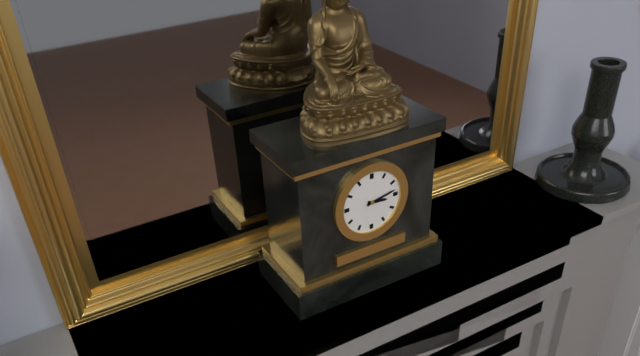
3,13
